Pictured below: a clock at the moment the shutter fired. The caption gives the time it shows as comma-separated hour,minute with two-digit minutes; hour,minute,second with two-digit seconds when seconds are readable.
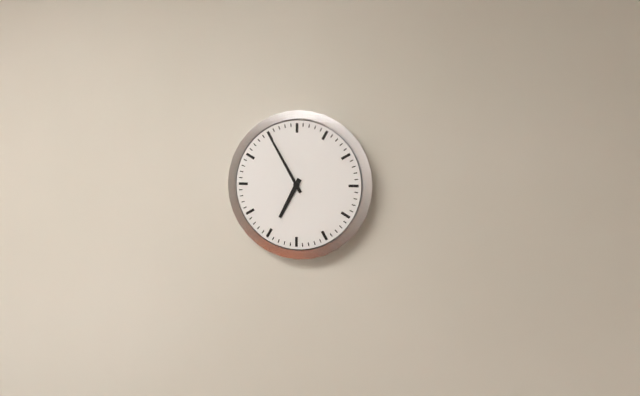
6,55
